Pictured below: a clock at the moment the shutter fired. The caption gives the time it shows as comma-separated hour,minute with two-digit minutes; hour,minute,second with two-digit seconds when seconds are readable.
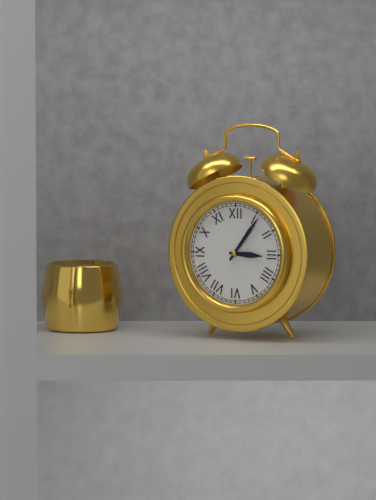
3,06
